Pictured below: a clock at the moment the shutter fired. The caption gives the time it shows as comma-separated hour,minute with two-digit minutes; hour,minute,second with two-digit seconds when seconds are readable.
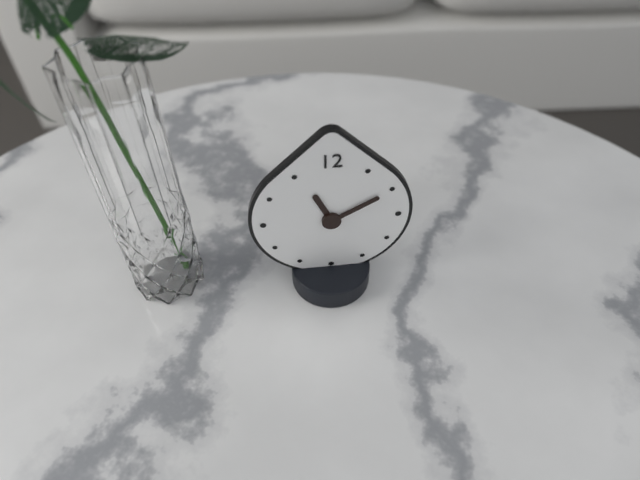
11,10
